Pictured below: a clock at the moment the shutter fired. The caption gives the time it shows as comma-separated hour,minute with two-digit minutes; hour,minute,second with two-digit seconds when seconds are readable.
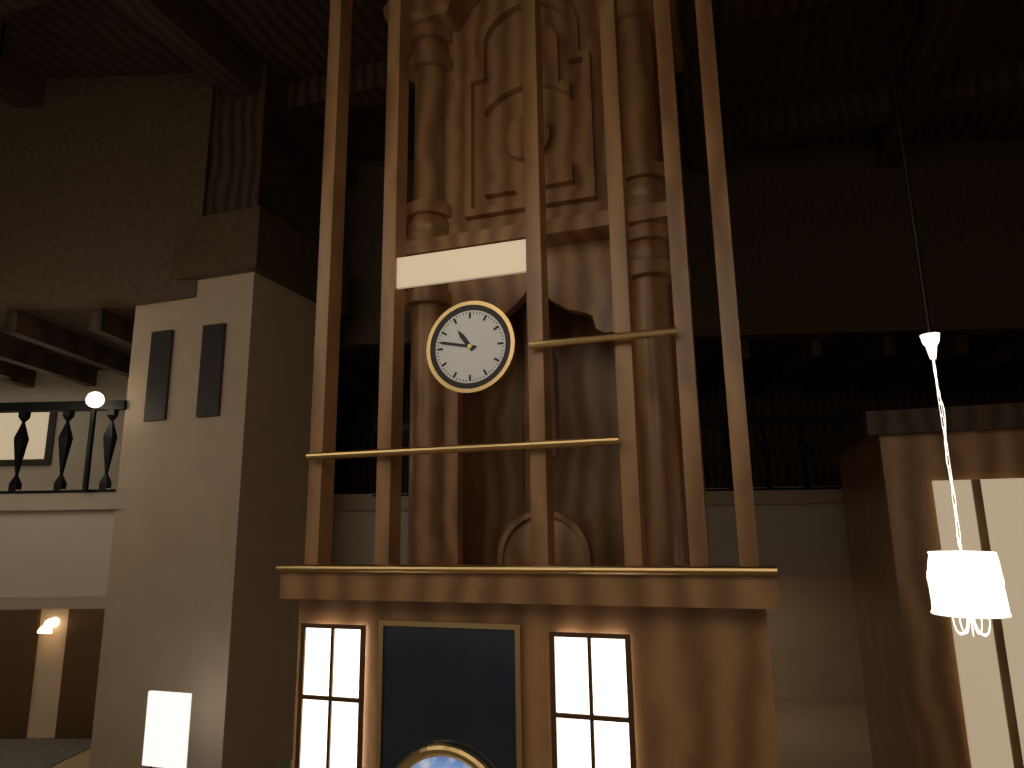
10,47
